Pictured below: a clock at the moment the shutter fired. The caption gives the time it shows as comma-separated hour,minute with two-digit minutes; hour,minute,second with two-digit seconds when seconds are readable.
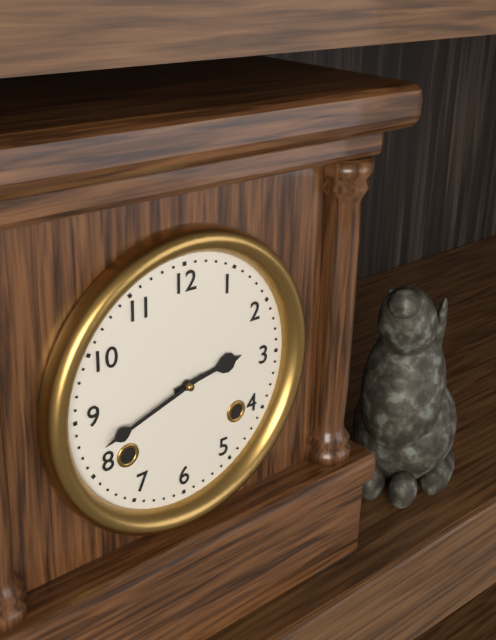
2,42
